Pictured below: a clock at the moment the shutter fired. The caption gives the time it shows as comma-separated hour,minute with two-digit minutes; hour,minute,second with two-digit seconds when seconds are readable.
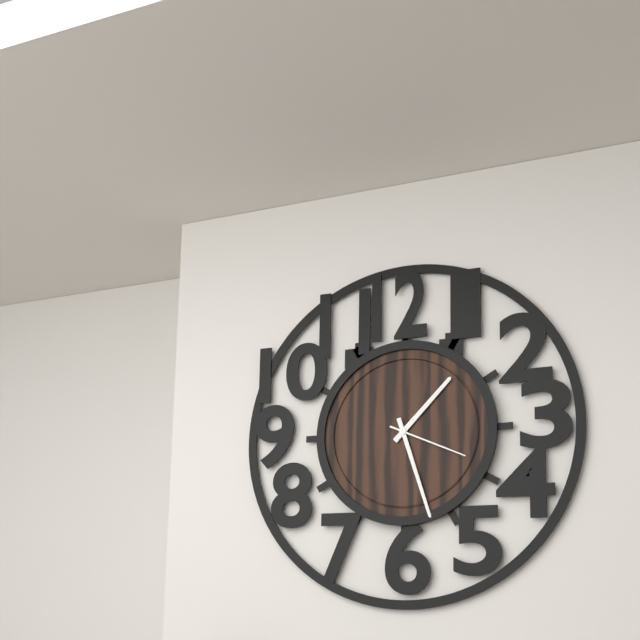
1,27,19
